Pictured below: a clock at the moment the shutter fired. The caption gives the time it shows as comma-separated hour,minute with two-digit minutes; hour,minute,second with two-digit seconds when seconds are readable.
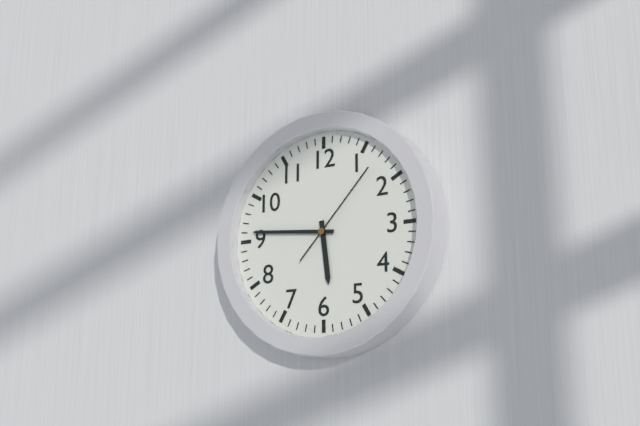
5,46,07
